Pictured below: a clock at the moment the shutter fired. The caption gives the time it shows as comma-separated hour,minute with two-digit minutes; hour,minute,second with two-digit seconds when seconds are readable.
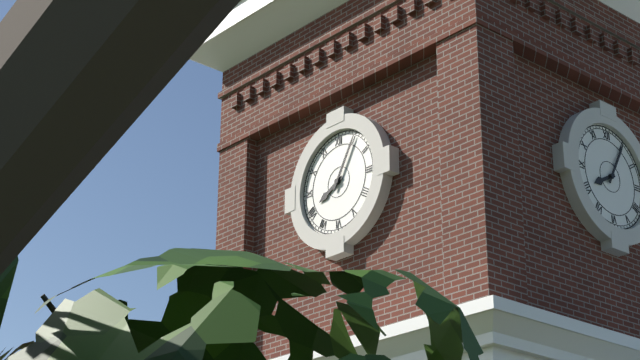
8,05
